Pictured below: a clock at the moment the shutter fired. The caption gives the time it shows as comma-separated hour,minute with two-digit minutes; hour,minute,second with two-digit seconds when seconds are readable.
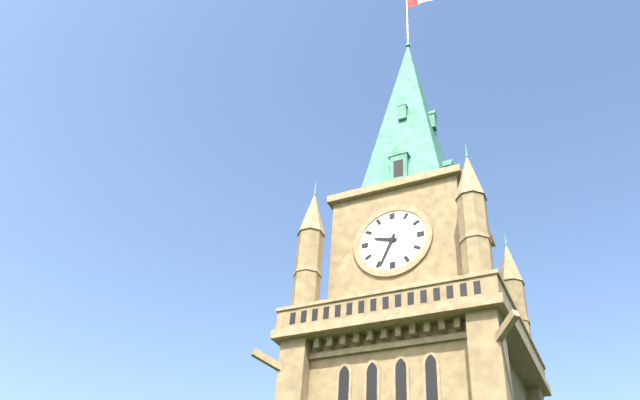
9,34
